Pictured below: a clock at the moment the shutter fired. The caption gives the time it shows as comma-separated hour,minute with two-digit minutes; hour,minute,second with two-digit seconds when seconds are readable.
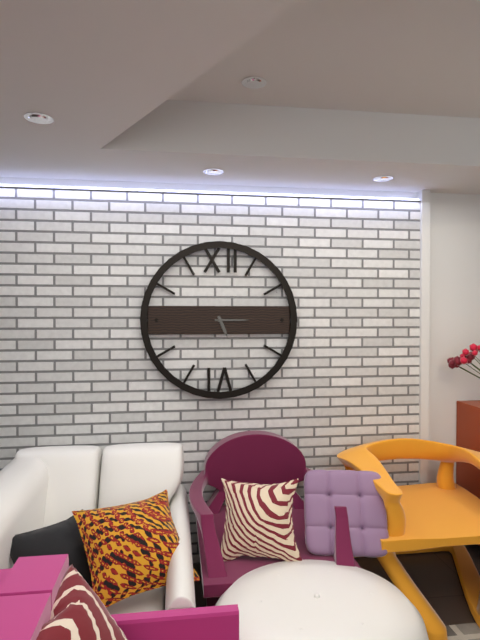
5,15
